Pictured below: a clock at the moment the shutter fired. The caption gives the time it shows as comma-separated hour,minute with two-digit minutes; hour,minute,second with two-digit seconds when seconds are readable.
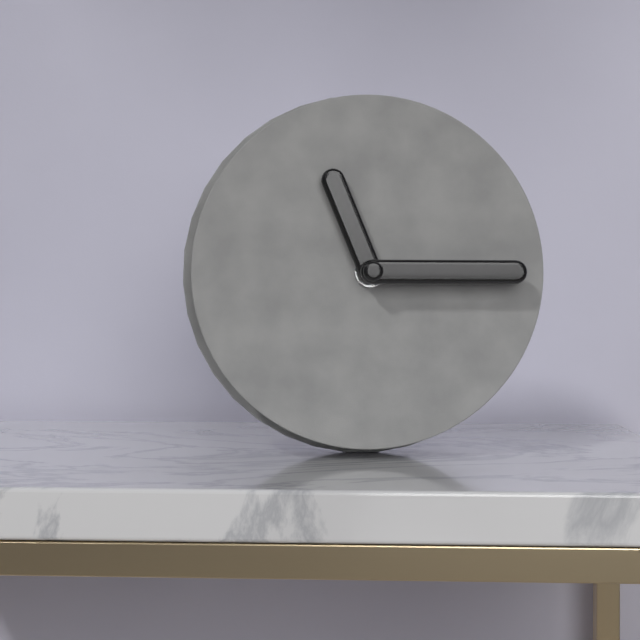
11,15
